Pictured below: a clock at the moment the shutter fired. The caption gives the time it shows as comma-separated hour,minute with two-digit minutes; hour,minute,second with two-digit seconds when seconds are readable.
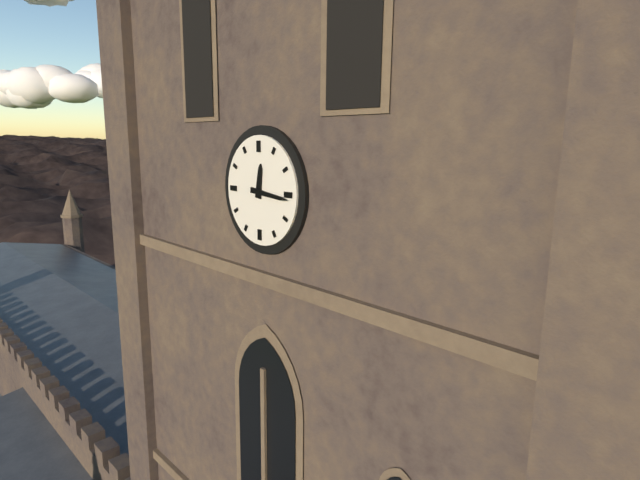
12,16
